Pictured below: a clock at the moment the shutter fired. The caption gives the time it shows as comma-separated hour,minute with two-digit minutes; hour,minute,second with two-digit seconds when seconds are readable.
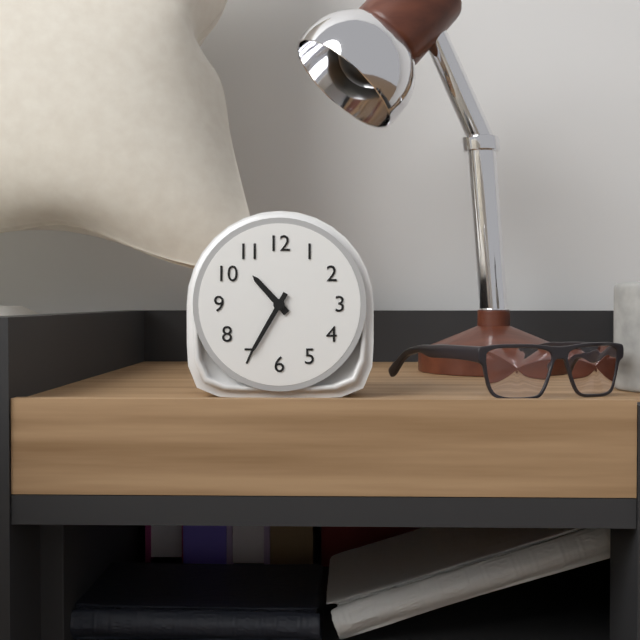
10,35
